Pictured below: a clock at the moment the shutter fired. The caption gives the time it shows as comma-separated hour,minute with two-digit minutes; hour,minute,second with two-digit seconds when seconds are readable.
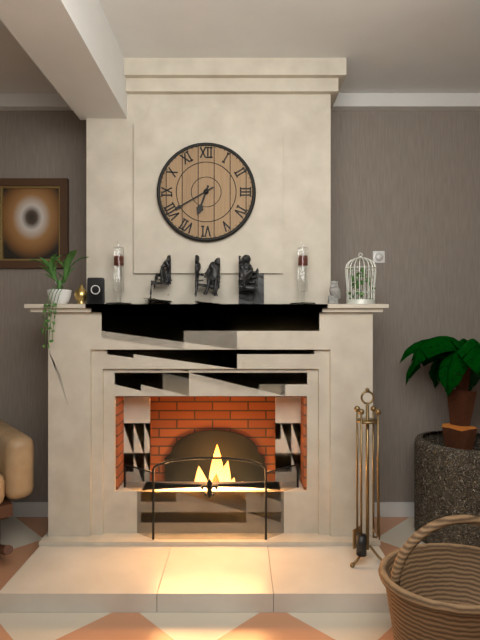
6,40
